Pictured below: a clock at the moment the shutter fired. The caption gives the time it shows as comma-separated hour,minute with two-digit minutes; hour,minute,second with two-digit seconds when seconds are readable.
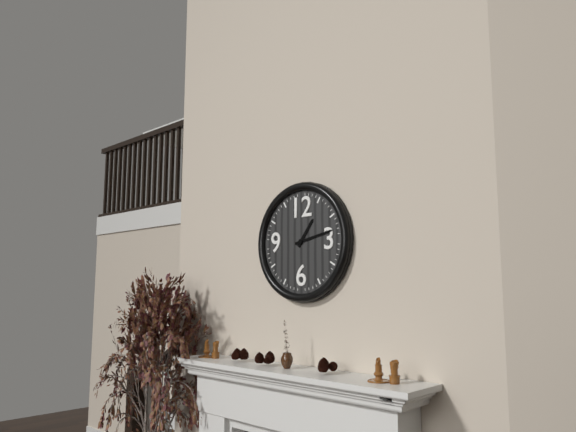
1,13
